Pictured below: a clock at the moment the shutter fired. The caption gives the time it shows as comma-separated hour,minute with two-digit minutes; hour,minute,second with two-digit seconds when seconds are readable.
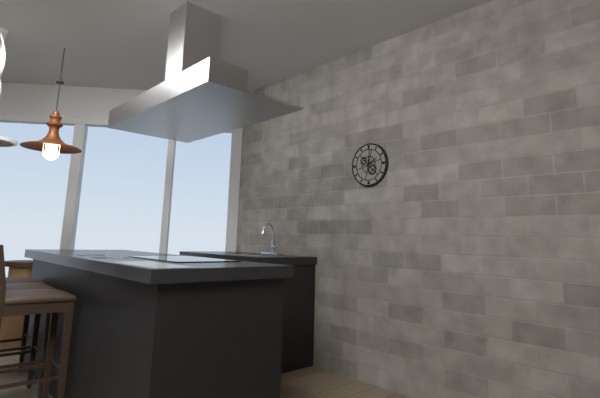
2,01
